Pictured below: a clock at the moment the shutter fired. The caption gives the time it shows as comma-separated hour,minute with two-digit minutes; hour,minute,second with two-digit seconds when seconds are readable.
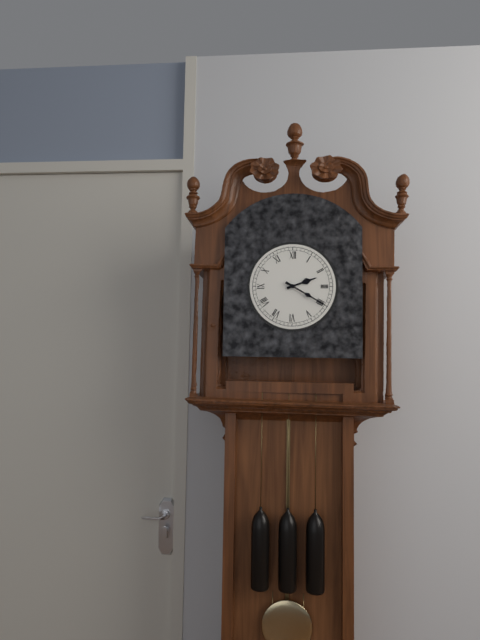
2,20
